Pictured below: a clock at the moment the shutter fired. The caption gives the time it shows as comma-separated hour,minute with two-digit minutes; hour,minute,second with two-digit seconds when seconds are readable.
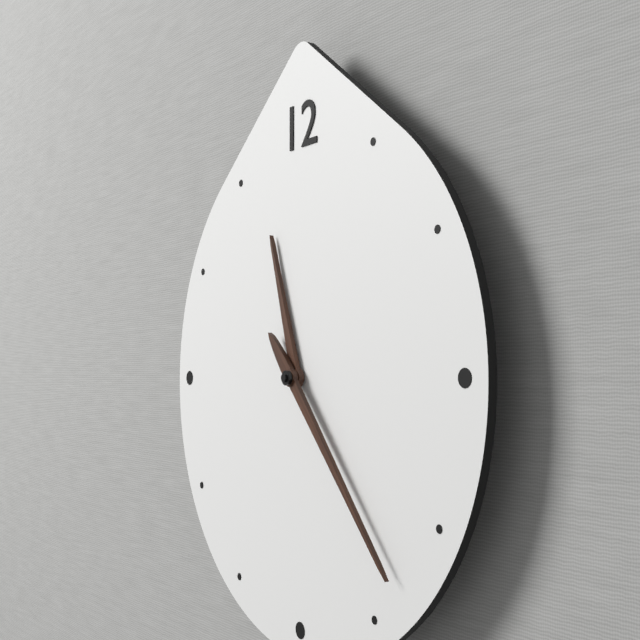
11,23
